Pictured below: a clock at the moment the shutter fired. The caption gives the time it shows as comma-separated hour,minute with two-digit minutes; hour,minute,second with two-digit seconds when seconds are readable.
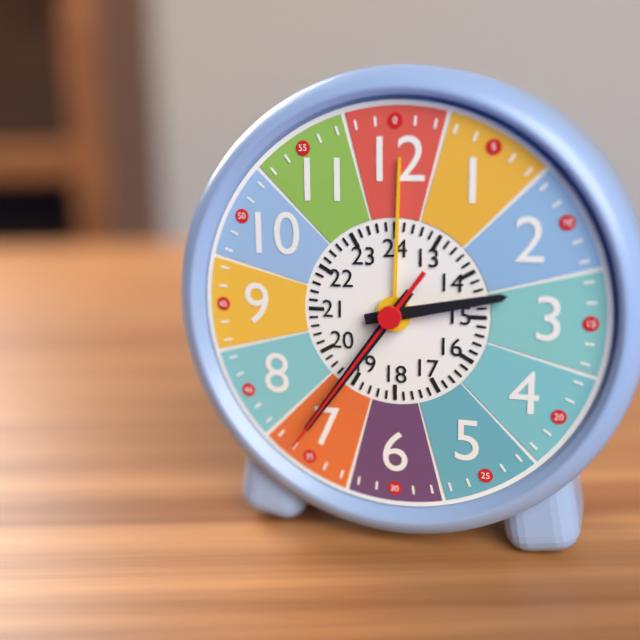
2,36,36
